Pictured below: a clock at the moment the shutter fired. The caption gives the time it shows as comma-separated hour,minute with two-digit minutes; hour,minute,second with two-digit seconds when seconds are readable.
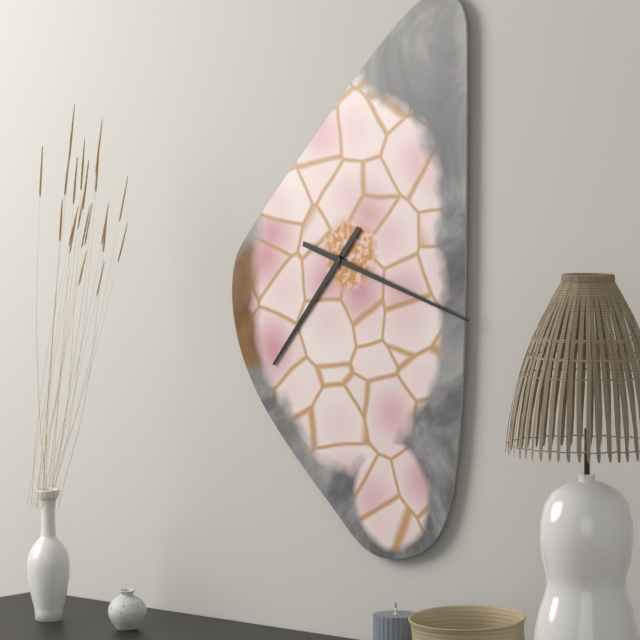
7,18
